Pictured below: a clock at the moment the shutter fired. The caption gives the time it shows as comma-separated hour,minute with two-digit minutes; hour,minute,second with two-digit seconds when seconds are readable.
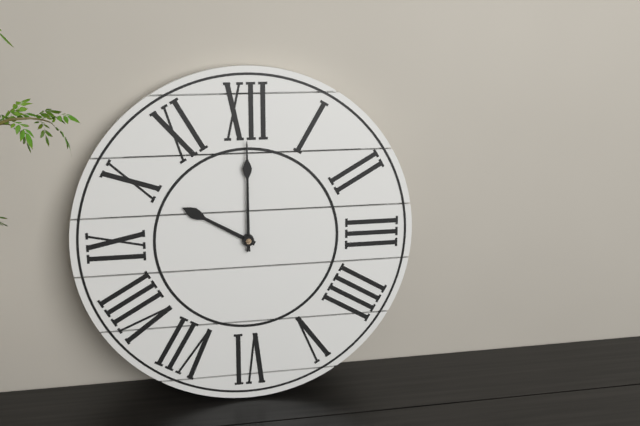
10,00
